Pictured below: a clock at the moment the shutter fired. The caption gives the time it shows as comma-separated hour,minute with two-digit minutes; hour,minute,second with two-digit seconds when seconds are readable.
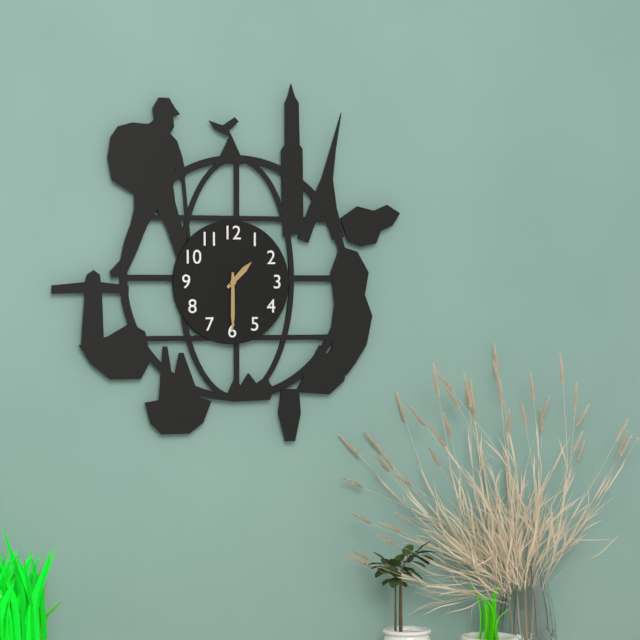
1,30
